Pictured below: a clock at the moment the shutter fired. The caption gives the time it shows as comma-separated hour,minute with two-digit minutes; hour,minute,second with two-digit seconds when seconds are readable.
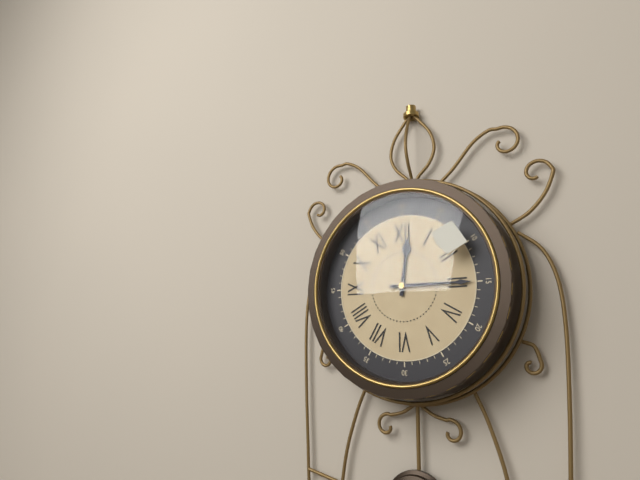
12,15
